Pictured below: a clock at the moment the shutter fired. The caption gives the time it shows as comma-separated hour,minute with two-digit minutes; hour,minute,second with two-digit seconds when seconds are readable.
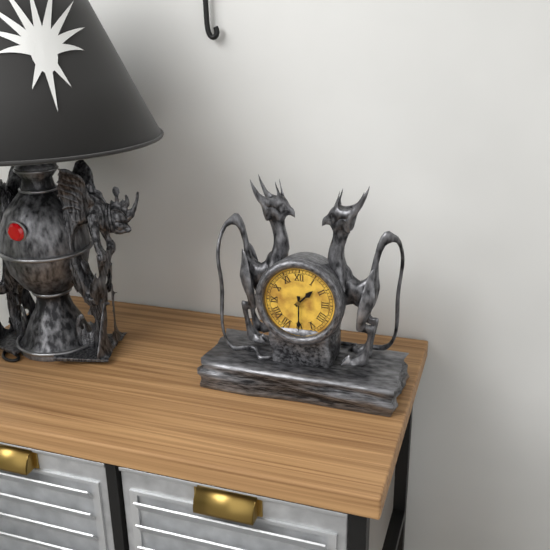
1,30
